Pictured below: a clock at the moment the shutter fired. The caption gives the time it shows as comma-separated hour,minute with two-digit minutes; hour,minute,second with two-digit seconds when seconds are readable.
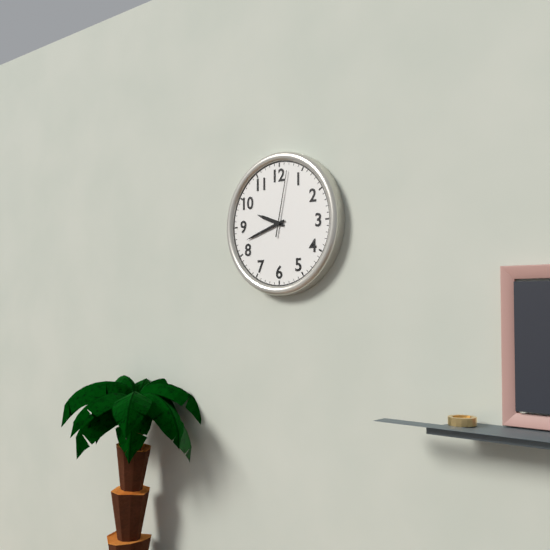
9,42,02
